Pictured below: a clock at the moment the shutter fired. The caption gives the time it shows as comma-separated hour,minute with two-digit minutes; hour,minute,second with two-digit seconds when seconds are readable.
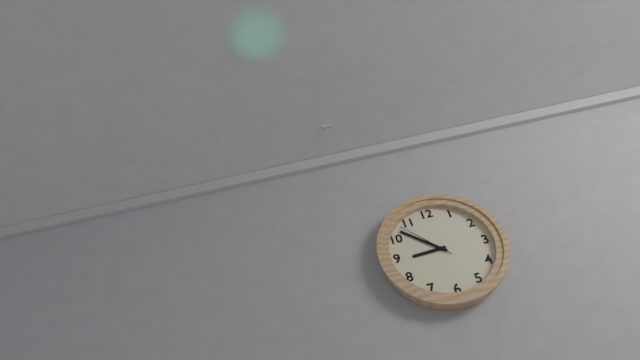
8,52,53
